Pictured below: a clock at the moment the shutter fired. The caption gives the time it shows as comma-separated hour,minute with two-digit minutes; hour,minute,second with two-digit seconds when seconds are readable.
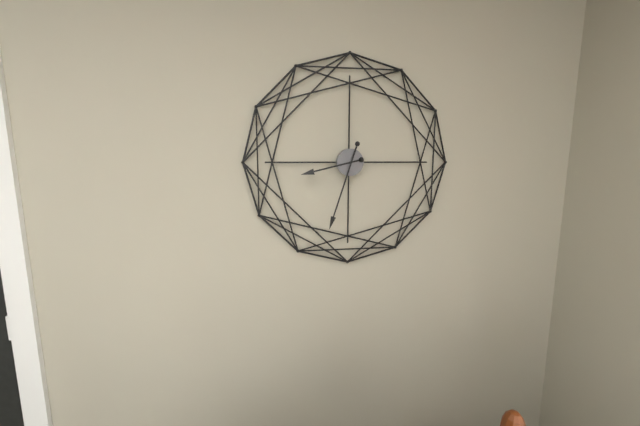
8,33
